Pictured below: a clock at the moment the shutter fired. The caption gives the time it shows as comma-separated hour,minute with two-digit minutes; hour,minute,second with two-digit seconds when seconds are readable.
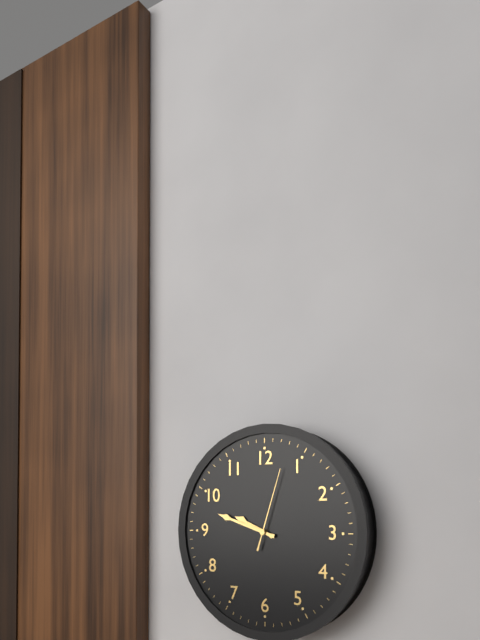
9,48,03
